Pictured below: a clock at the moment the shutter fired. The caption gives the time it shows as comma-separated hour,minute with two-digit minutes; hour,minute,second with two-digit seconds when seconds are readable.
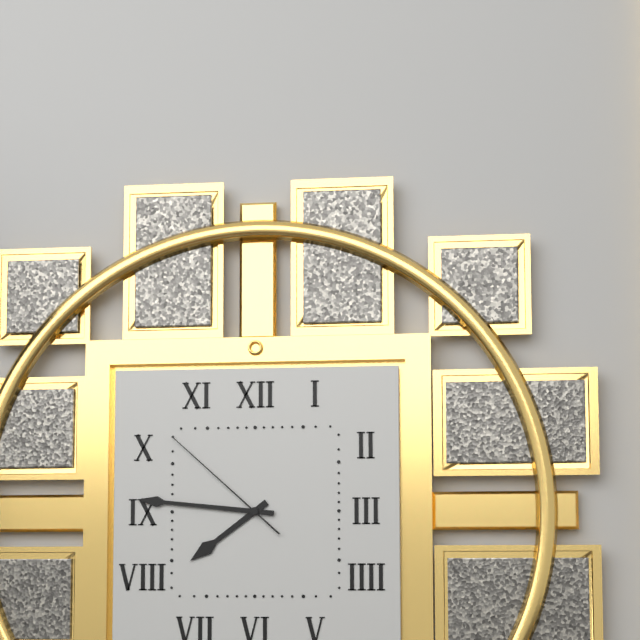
7,46,52
